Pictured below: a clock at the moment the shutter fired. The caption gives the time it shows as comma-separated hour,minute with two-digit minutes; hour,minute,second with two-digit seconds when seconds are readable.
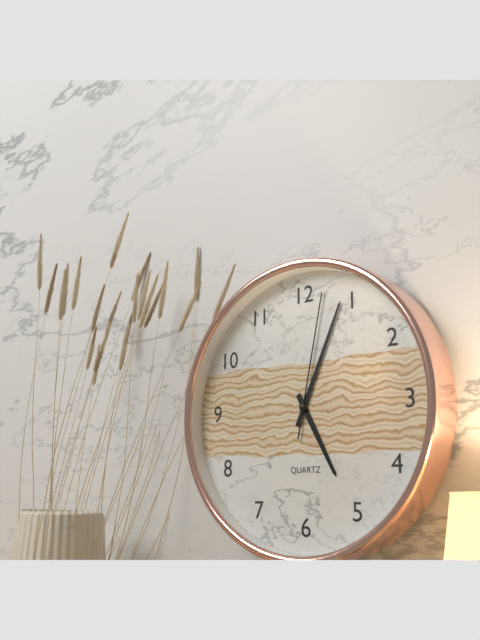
5,04,02
